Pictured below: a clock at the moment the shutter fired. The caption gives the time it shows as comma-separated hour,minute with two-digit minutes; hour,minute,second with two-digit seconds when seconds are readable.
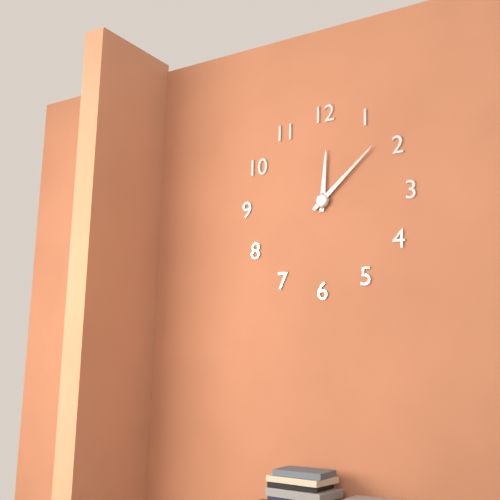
12,08
